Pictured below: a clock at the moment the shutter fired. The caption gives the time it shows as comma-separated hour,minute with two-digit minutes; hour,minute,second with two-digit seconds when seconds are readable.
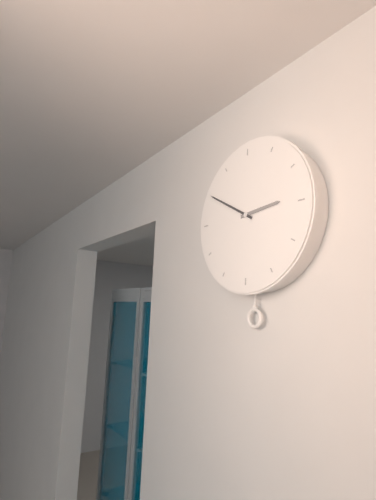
2,50
